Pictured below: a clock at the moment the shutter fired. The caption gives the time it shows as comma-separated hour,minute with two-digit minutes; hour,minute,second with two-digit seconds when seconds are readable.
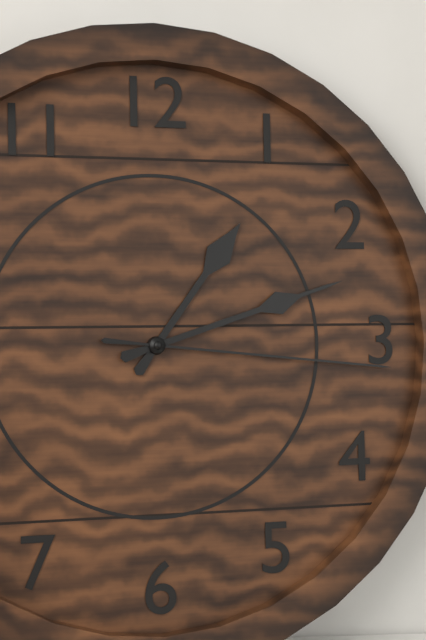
1,12,16
